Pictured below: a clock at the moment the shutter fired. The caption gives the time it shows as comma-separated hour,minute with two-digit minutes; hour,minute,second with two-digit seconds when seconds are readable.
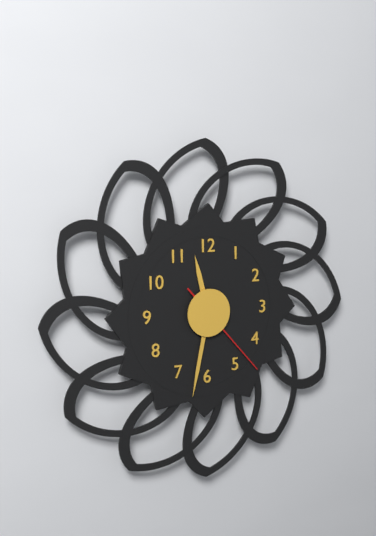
11,32,23
